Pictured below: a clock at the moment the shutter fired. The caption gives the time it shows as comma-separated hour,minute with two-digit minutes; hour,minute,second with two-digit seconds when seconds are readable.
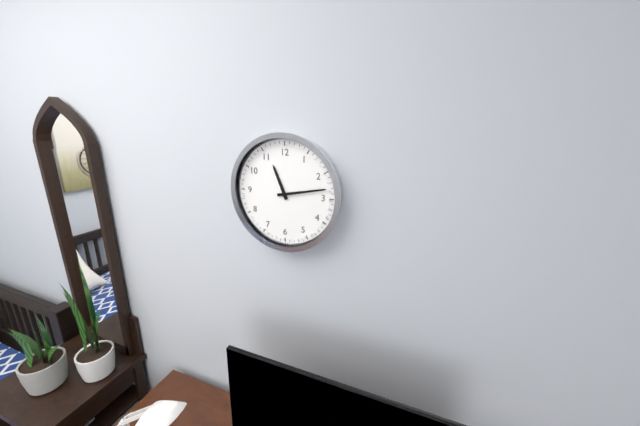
11,13
